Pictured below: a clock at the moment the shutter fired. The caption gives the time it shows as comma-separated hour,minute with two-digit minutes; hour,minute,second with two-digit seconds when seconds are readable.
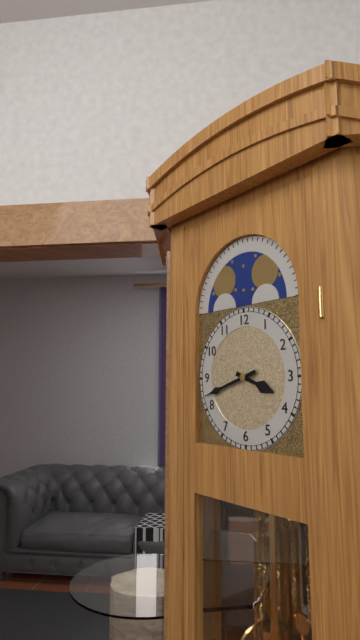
3,42
